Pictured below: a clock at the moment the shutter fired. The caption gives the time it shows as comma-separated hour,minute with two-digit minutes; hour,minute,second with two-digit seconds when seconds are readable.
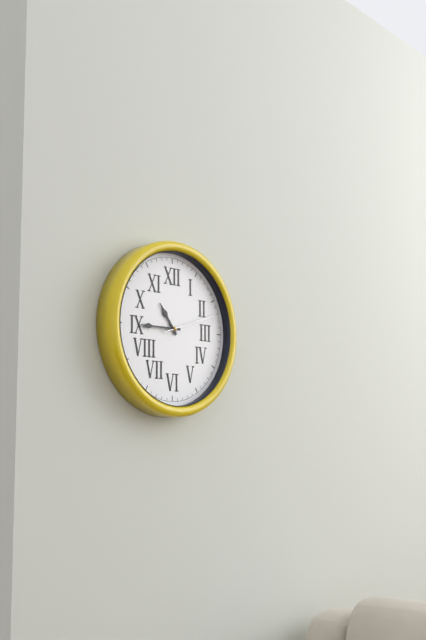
10,45,12
